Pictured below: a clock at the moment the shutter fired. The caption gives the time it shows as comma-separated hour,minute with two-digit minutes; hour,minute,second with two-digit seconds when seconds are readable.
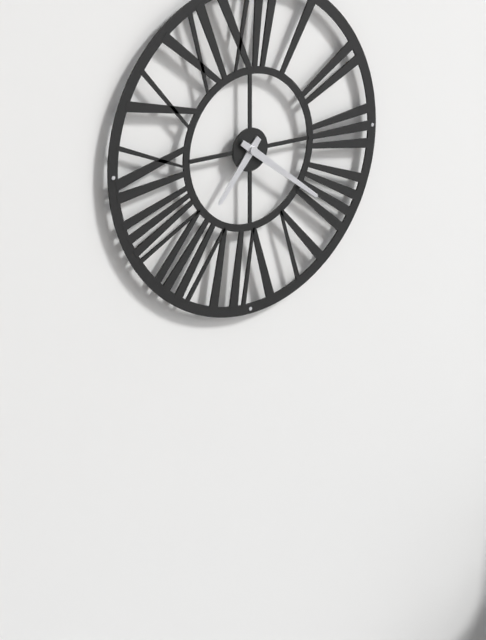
7,21
